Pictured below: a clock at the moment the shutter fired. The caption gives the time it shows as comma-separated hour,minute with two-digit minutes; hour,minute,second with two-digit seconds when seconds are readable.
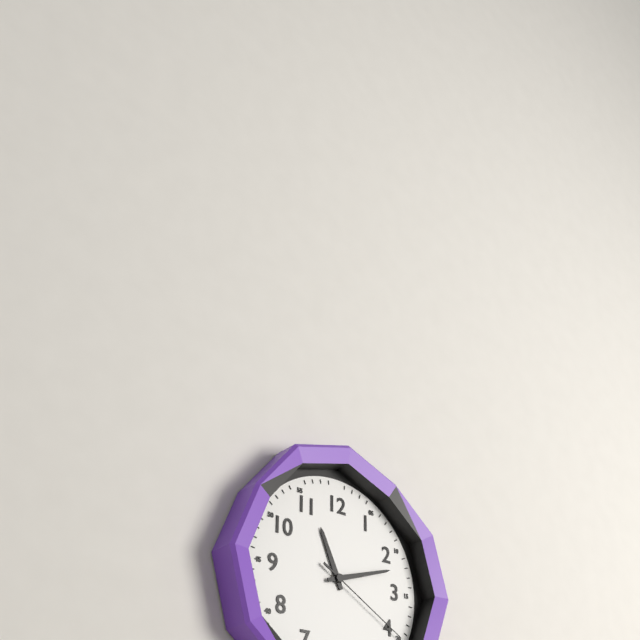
11,12,20
